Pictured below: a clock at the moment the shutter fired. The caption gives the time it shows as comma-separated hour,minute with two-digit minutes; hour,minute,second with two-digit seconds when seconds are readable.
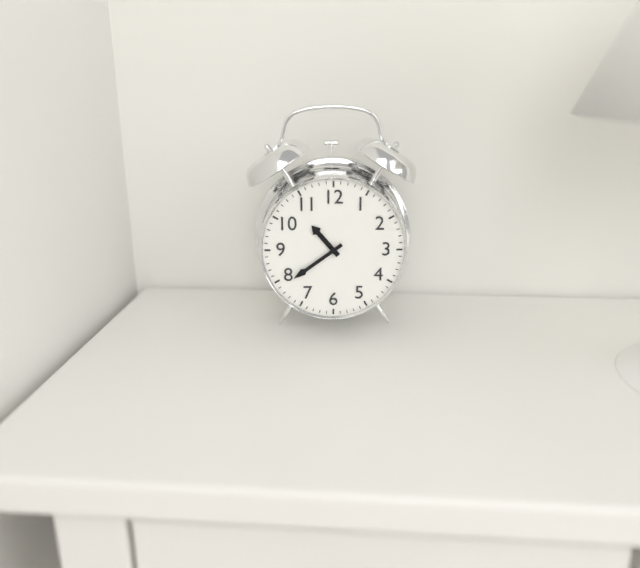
10,39
